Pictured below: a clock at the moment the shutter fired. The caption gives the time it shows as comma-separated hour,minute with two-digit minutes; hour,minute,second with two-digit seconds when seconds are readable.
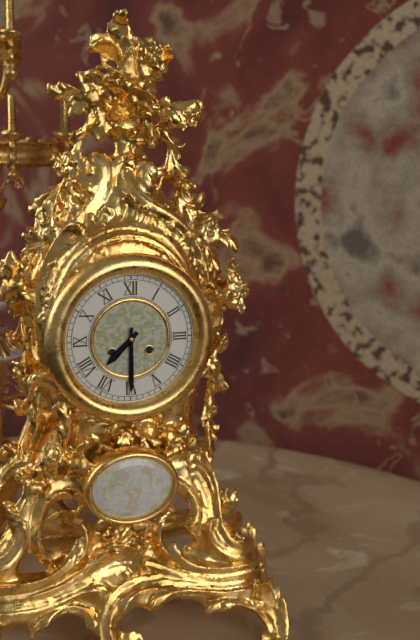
7,30
